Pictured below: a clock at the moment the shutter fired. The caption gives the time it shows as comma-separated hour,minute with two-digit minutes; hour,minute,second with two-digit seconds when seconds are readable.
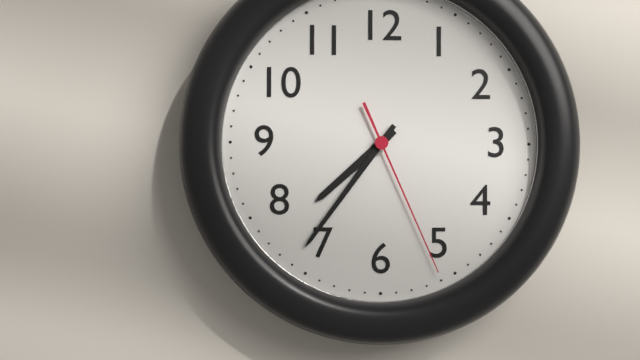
7,36,26
